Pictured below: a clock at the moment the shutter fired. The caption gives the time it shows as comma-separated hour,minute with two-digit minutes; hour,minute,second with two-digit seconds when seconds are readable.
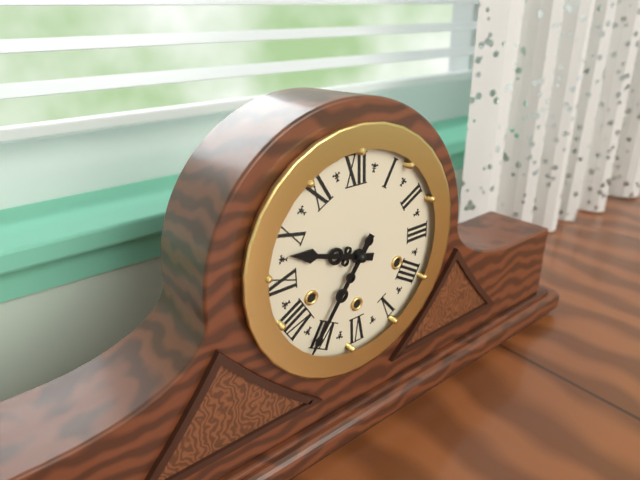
9,36
